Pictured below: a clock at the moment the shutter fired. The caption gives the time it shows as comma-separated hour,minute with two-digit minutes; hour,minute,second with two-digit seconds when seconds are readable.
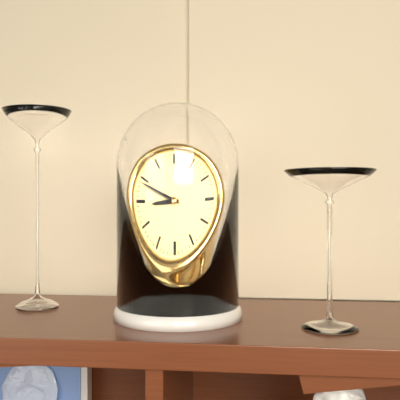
8,49
